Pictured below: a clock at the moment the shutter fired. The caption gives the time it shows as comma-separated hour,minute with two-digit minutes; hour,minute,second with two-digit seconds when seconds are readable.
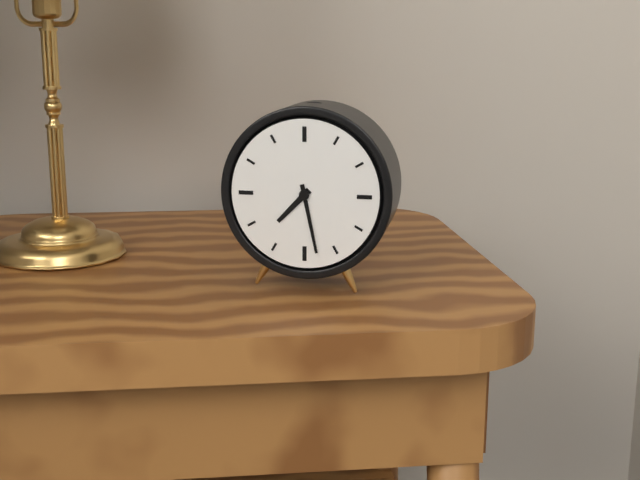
7,28
